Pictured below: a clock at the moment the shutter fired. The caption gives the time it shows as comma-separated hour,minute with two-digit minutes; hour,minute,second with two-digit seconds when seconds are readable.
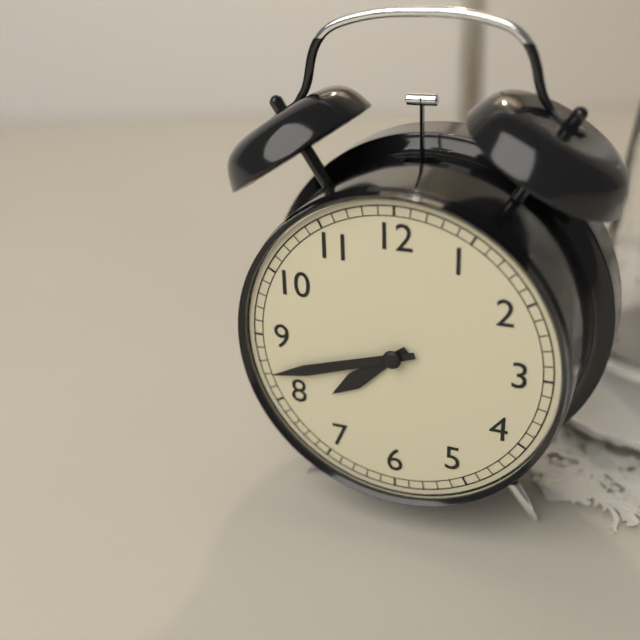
7,42
